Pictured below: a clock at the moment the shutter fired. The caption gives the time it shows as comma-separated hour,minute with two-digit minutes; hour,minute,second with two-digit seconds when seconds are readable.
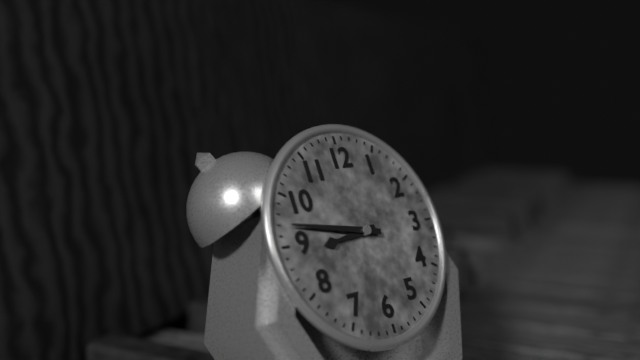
8,47
